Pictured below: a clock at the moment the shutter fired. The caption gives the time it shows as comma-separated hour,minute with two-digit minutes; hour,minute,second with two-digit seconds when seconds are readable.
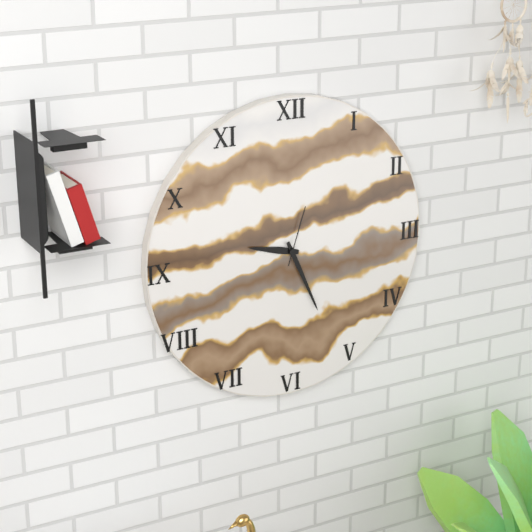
9,26,03
